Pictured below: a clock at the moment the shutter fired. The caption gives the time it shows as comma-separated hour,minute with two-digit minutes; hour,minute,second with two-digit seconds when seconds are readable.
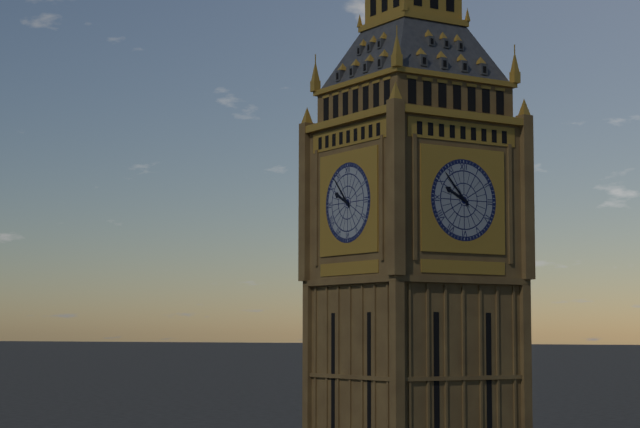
9,53
